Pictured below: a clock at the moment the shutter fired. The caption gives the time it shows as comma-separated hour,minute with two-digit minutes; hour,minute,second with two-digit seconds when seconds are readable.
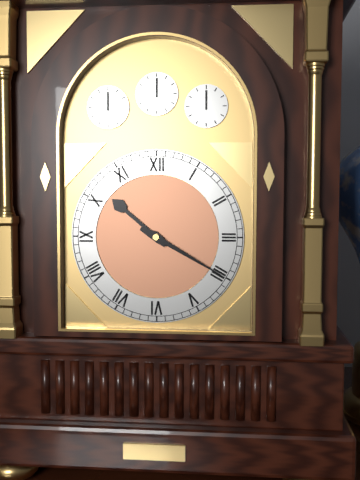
10,20
